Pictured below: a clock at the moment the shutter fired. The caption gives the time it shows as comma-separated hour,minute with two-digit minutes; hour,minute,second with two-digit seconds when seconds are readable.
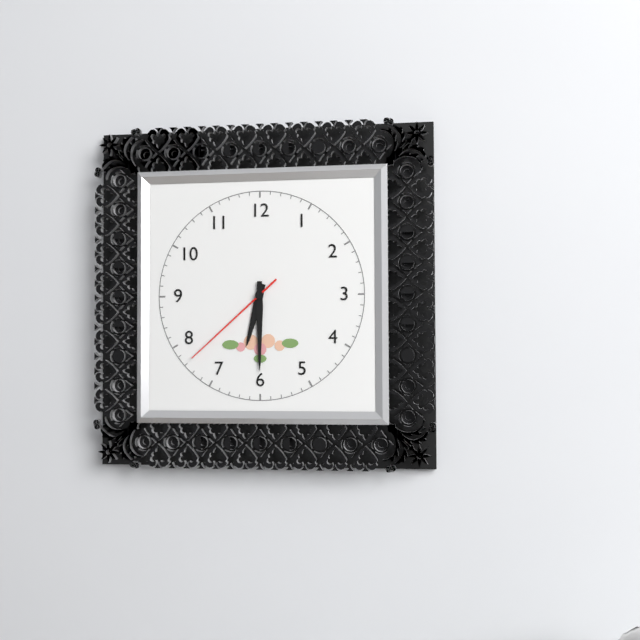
6,30,38
